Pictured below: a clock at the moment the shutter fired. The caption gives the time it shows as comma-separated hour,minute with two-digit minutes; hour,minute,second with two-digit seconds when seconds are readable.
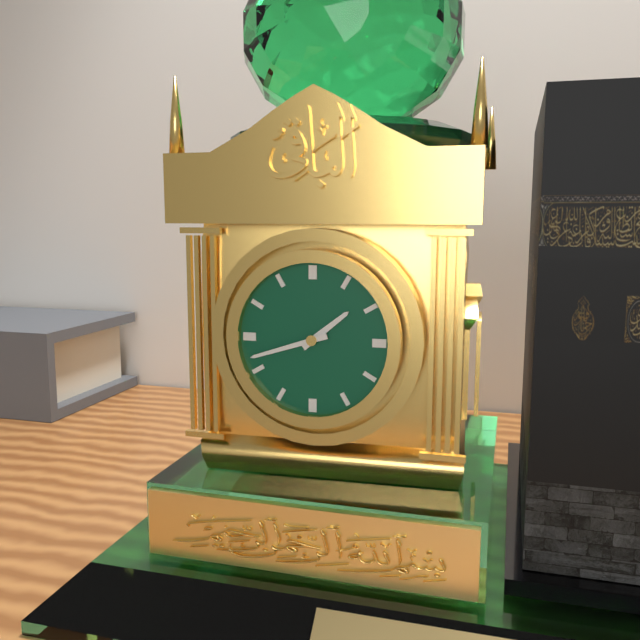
1,42
